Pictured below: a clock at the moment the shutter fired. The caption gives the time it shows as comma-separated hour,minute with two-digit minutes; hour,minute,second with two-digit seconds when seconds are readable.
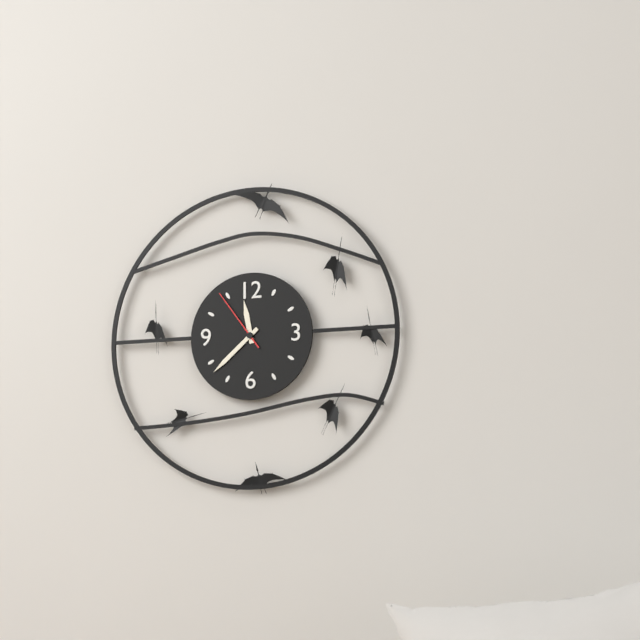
11,38,54
